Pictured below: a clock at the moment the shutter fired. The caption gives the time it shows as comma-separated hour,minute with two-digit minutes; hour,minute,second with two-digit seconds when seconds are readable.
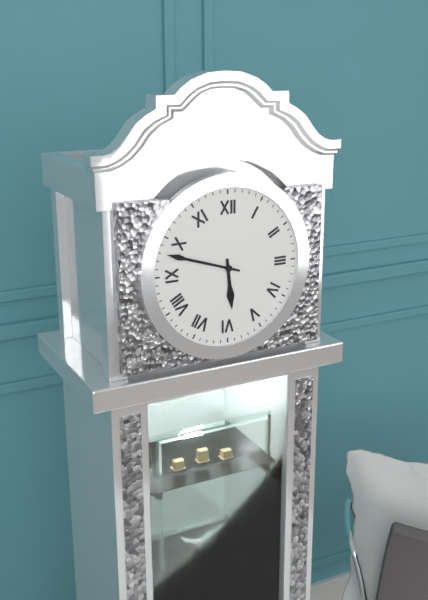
5,48
